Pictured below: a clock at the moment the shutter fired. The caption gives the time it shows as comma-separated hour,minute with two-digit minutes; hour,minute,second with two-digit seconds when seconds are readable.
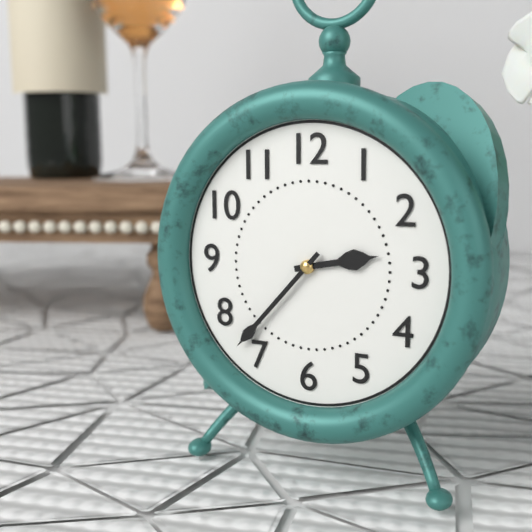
2,37
